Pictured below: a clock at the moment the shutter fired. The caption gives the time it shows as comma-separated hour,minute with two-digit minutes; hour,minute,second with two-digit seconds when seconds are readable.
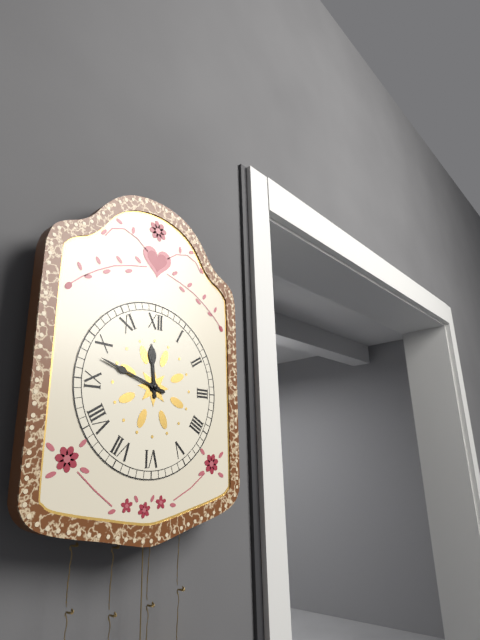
11,48
